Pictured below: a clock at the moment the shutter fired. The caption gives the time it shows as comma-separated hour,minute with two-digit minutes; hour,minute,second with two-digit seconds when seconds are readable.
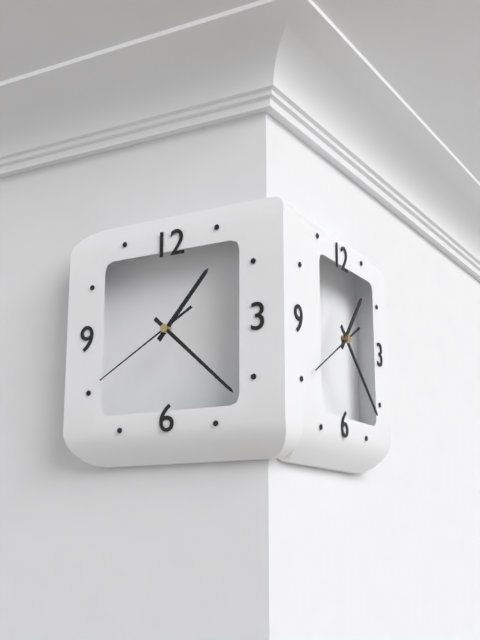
1,22,40
